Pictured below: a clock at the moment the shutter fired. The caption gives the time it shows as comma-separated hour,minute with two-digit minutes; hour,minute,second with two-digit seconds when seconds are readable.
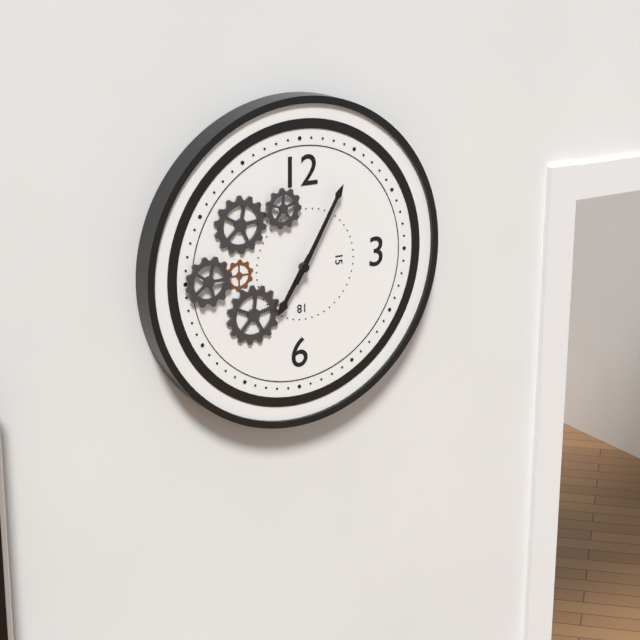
7,05
